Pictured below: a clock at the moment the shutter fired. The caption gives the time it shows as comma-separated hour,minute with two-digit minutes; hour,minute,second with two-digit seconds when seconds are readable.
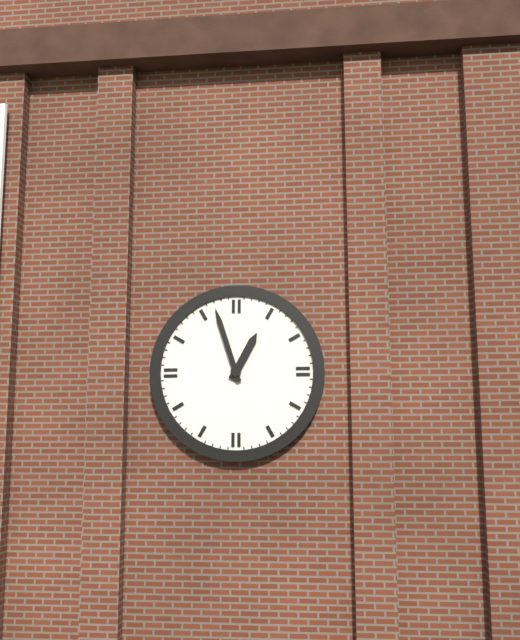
12,57
